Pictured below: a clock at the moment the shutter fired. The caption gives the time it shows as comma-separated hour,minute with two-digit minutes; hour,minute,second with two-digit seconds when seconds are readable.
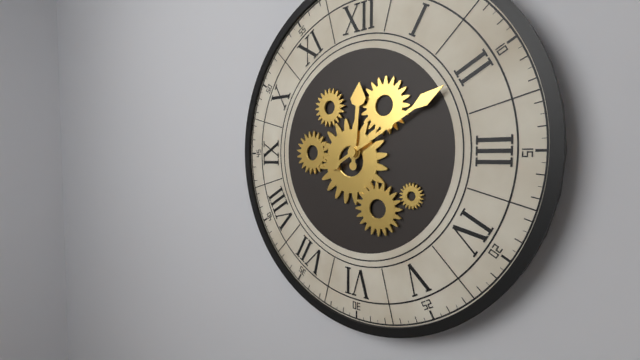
12,10
